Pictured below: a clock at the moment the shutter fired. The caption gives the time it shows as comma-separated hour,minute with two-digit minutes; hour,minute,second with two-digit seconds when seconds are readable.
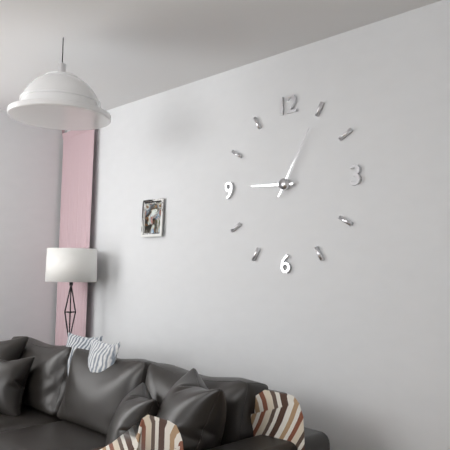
9,05
